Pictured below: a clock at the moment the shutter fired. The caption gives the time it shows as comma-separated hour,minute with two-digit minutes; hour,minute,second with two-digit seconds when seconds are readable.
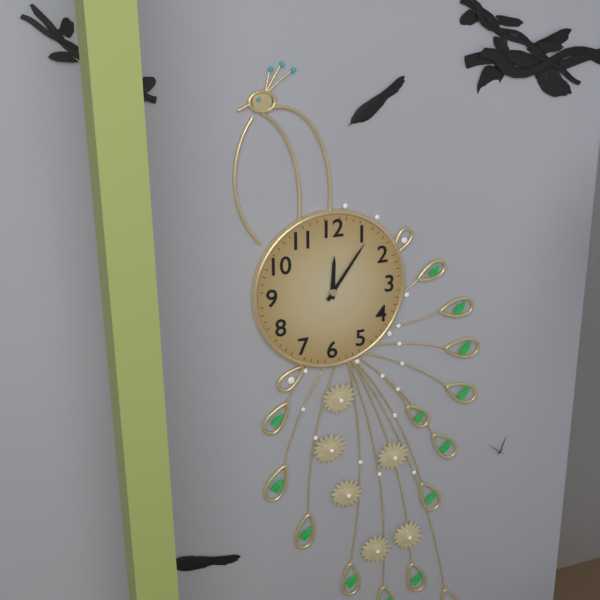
12,06
